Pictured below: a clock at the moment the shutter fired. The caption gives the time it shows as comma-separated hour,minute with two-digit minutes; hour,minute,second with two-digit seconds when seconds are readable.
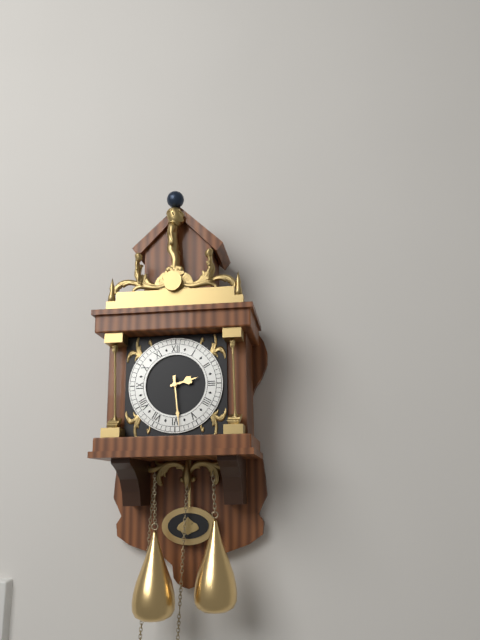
2,29
